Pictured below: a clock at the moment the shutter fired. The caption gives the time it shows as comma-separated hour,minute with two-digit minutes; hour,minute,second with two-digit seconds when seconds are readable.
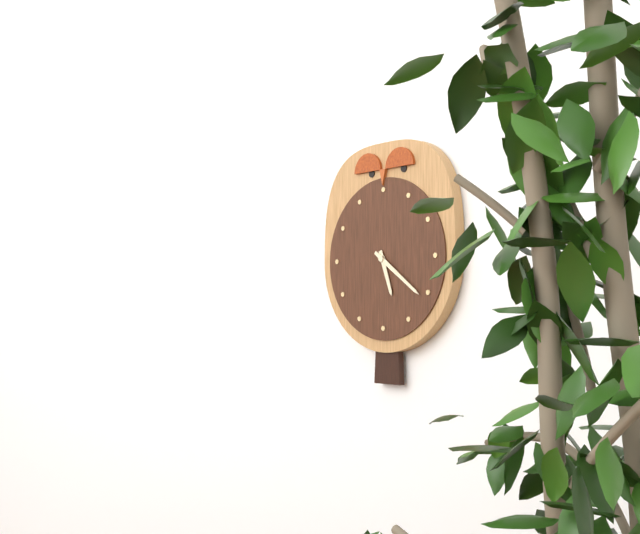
5,21
